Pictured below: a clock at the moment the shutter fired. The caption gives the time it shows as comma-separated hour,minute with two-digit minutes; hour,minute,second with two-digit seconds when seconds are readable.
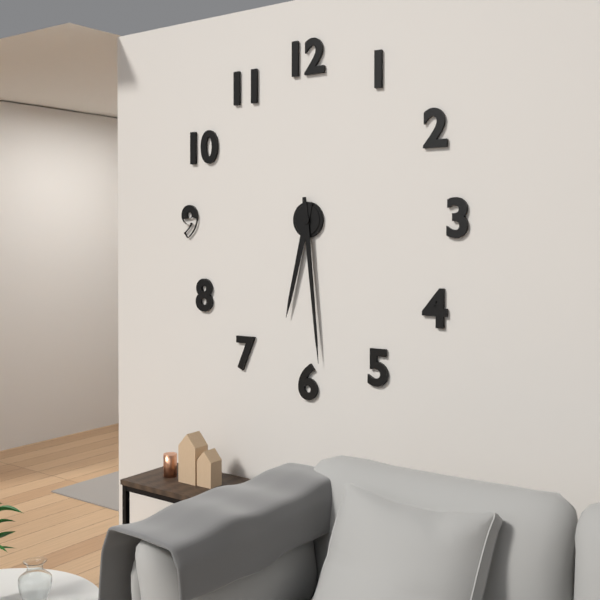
6,29
